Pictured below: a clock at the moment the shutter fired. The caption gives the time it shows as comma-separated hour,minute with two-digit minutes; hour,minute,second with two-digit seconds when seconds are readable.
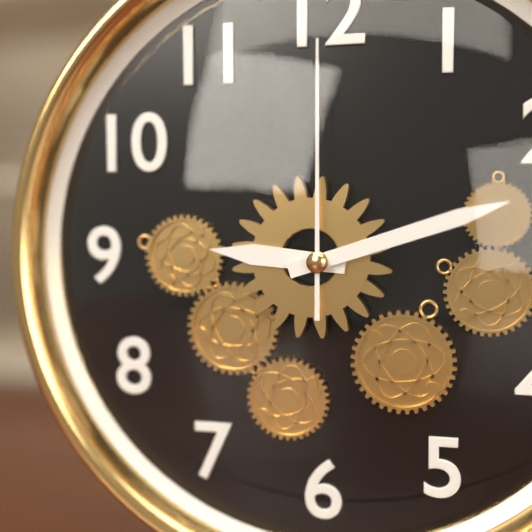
9,12,00
